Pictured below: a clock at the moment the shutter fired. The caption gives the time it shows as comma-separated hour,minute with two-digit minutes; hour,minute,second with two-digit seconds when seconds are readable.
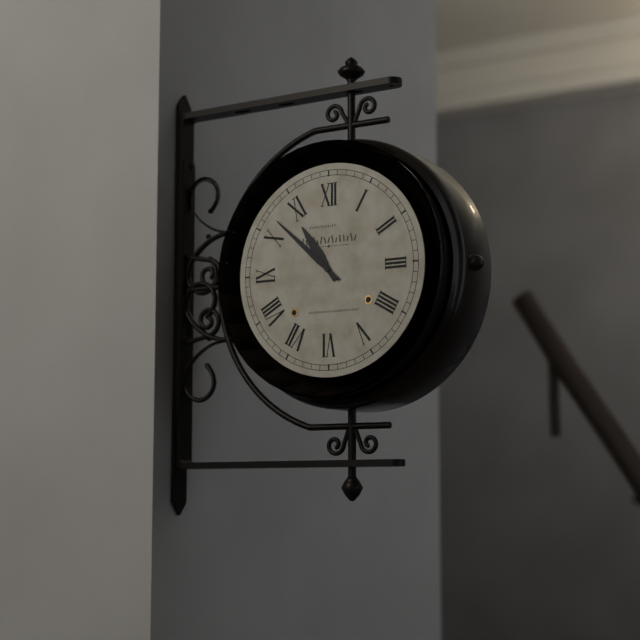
10,52
